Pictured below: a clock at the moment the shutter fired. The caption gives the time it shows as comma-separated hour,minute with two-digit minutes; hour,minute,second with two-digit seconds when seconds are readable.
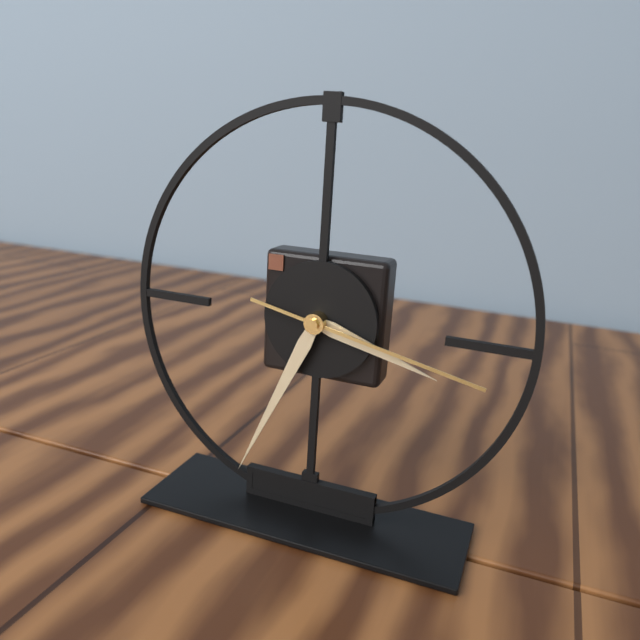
3,34,17
